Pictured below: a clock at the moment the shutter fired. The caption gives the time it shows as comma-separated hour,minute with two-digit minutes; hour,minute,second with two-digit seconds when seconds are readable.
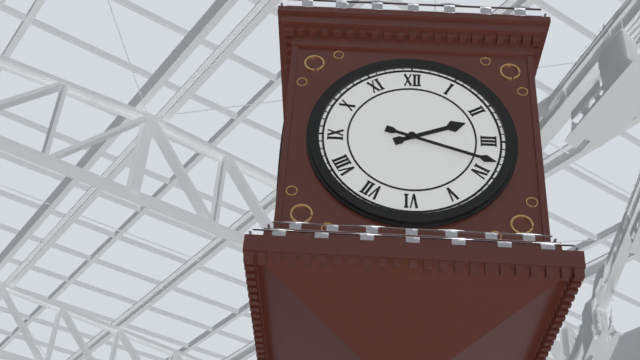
2,18
